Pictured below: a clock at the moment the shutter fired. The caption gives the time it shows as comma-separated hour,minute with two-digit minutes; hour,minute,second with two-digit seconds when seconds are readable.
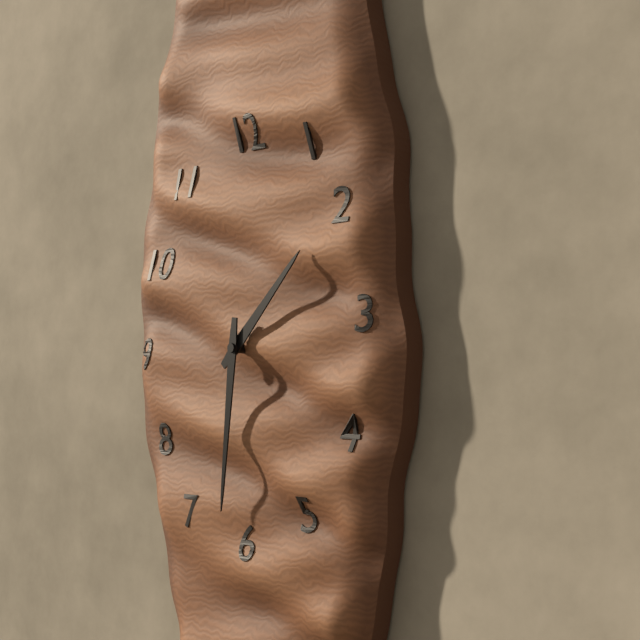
1,31
